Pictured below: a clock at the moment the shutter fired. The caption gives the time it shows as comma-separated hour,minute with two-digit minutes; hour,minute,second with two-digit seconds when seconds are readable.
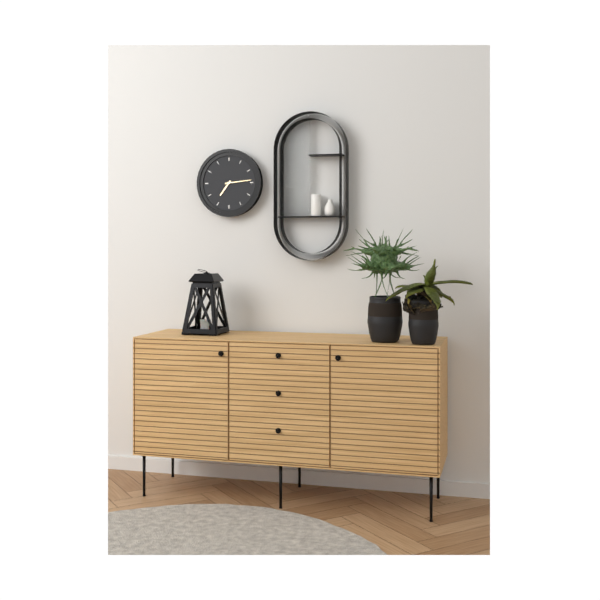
7,14
